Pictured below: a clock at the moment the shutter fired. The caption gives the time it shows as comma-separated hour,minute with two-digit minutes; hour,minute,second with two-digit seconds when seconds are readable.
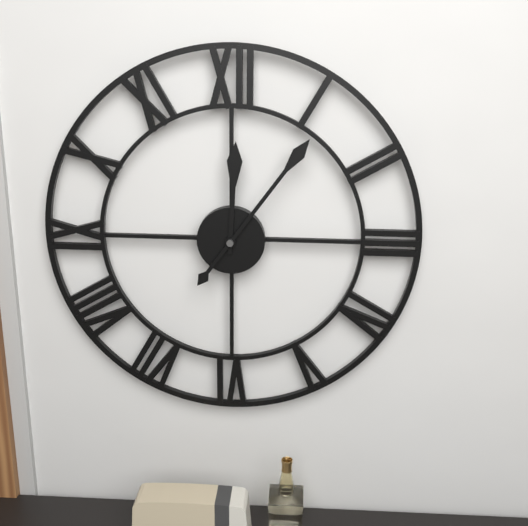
12,06
